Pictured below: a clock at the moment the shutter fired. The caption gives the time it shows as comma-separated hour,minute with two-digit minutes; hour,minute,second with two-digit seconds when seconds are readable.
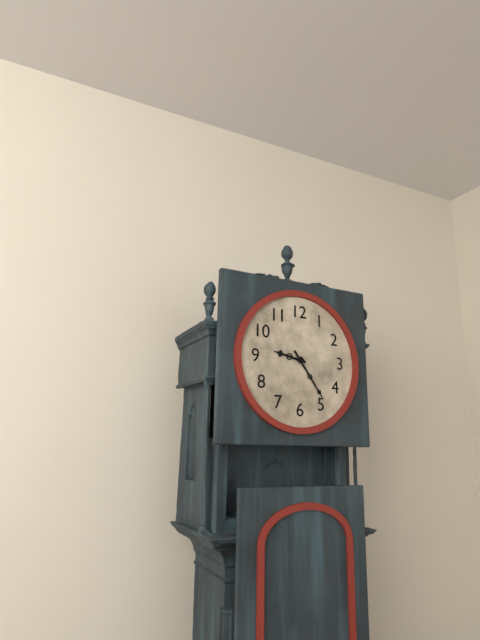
9,24
